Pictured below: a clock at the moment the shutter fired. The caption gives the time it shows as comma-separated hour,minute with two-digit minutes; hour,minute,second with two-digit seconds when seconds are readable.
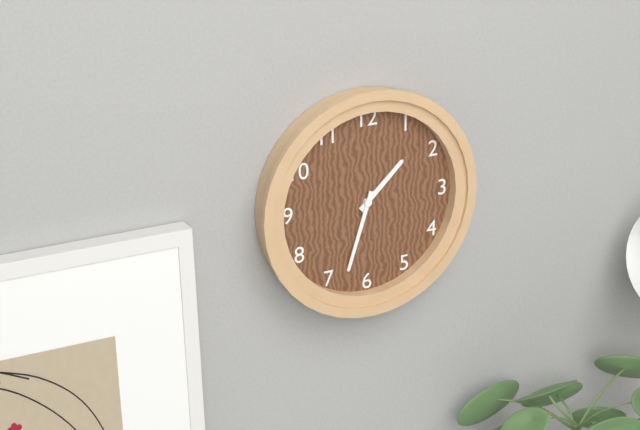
1,33
